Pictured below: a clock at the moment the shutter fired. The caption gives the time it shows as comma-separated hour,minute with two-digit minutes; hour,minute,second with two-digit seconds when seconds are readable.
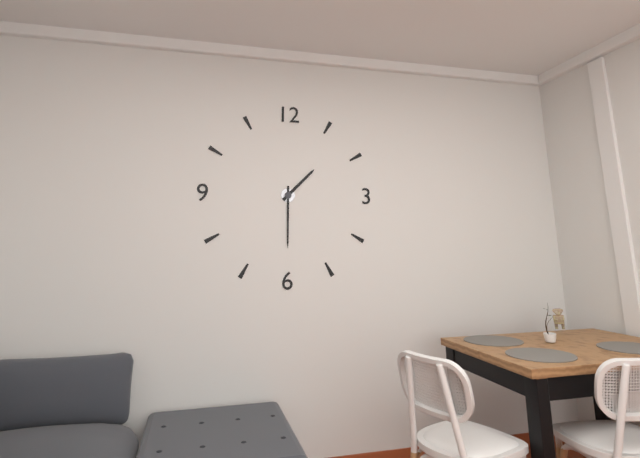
1,30
